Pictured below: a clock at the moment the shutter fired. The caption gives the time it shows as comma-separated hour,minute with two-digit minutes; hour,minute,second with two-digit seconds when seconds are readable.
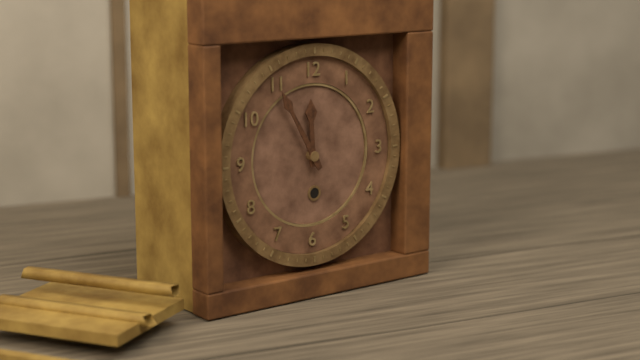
11,55
